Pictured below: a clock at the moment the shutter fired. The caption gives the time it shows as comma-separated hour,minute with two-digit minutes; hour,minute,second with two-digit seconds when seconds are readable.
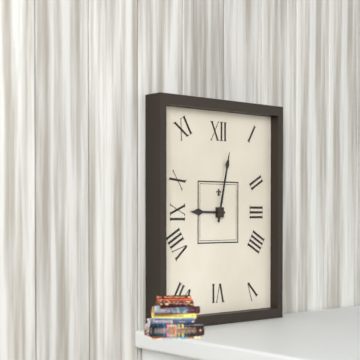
9,02
